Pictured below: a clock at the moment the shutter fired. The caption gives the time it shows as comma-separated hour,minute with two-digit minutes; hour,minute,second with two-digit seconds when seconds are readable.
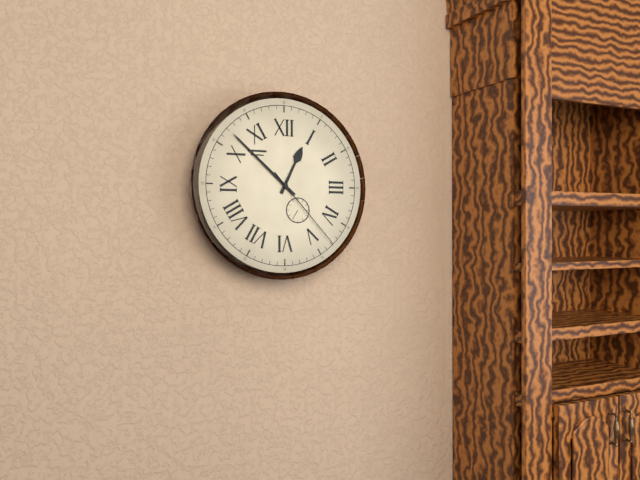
12,52,23
